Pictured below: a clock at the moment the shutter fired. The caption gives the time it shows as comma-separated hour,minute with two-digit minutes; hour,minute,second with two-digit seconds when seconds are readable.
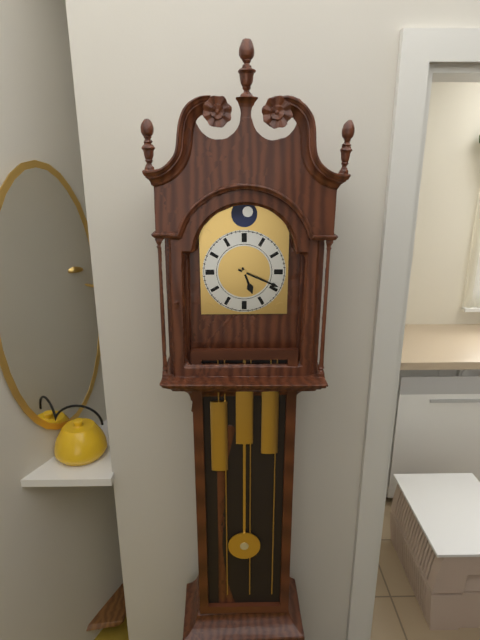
5,19
